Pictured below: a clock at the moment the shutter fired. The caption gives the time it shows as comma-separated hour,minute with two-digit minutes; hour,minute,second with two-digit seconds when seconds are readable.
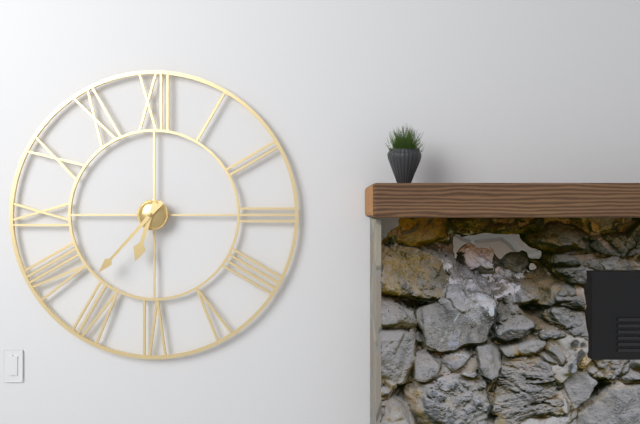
6,37
